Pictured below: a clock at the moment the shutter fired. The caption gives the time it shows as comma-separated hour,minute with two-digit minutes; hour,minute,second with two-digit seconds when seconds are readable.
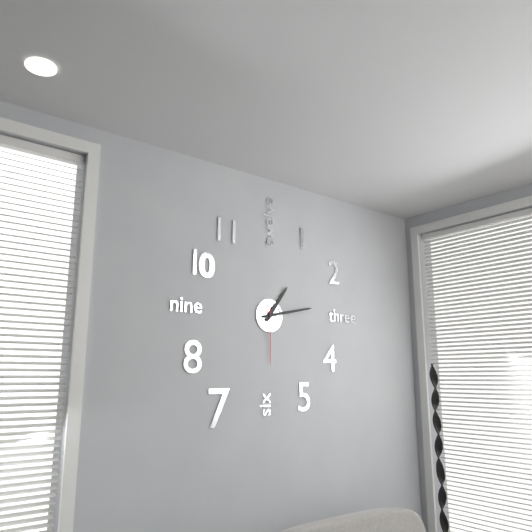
1,13,30
